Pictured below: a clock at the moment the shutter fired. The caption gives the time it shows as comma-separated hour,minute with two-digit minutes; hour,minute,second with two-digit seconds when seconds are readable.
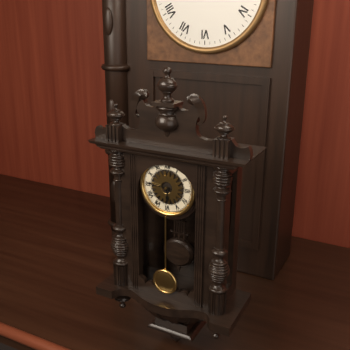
5,46
